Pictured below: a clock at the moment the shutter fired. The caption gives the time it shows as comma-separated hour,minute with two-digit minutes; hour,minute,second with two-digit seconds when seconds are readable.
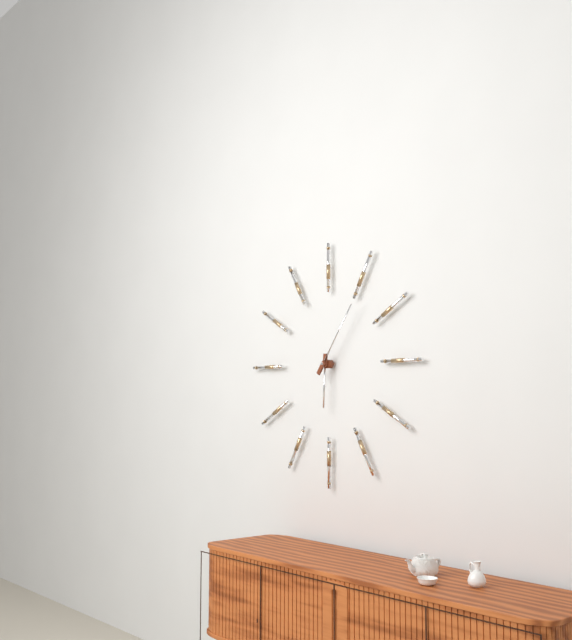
6,06
